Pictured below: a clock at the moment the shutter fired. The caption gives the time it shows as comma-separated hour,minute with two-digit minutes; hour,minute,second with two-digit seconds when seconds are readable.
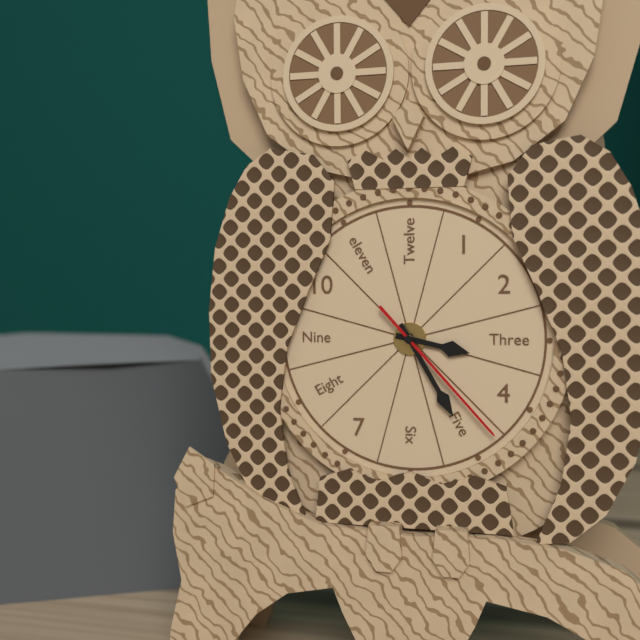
3,25,23
